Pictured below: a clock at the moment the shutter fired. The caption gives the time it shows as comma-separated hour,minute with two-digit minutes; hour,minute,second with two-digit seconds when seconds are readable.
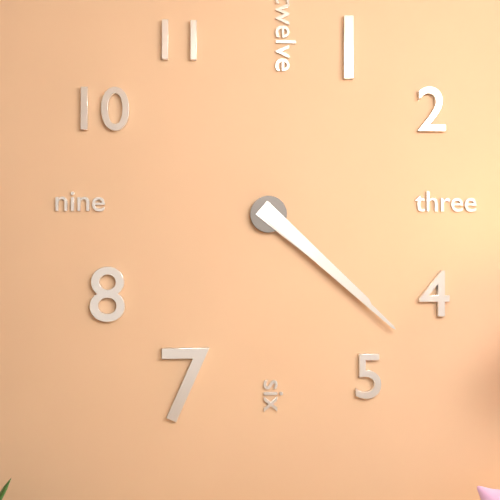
4,22
